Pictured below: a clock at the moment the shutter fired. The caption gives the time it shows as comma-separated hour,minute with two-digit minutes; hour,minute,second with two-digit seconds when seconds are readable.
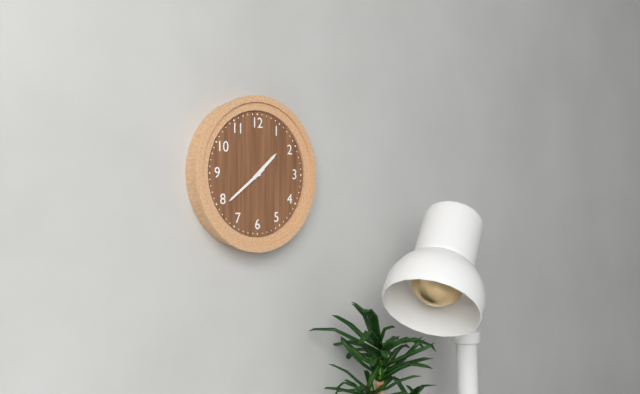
1,39
